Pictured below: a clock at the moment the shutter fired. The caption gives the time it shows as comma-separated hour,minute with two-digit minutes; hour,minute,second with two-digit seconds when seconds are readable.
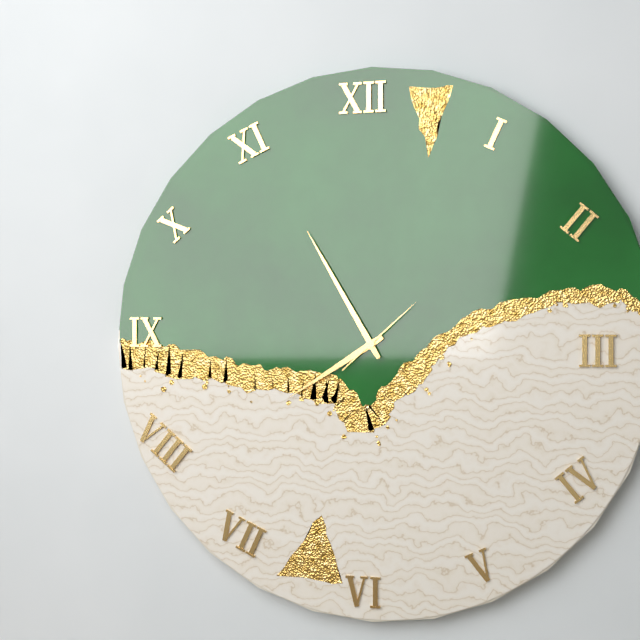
7,55,08
